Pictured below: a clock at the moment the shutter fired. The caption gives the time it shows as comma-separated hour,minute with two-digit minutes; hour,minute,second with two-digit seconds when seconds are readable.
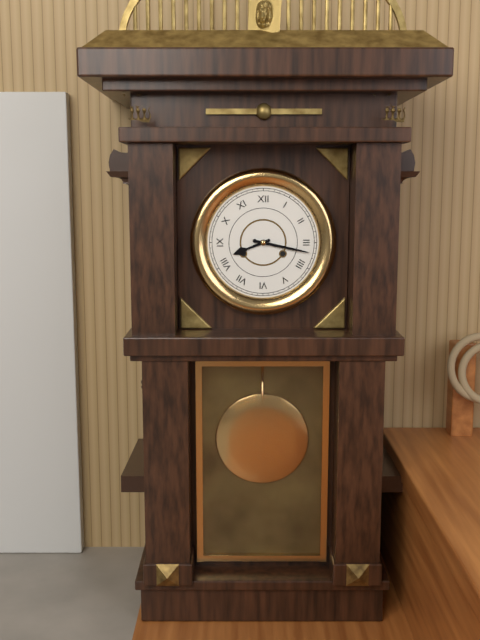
8,17
